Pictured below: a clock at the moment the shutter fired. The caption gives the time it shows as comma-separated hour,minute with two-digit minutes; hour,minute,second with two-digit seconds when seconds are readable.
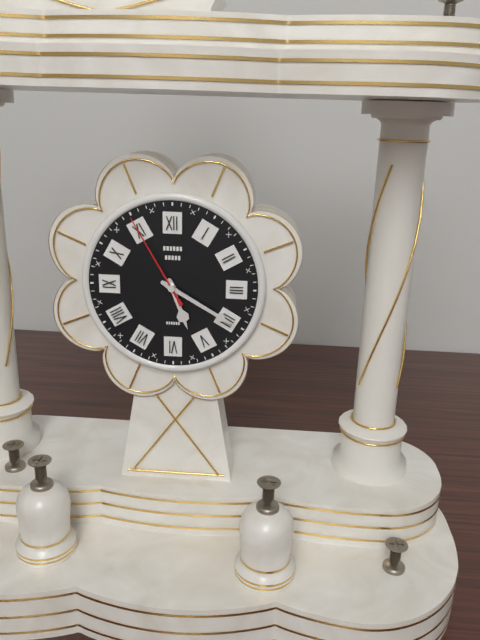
5,20,55
